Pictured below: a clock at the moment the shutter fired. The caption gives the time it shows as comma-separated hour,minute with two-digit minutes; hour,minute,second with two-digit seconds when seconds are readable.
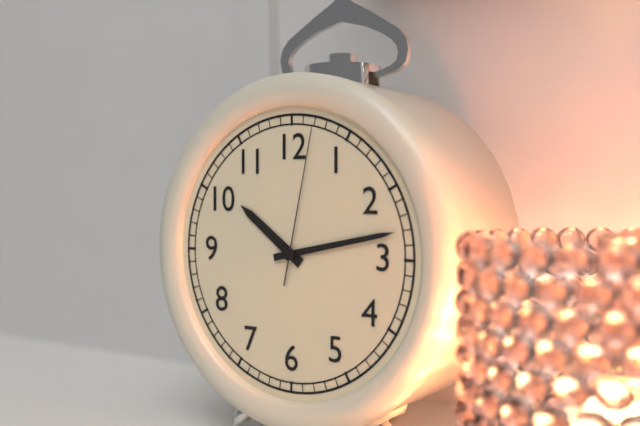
10,13,02
